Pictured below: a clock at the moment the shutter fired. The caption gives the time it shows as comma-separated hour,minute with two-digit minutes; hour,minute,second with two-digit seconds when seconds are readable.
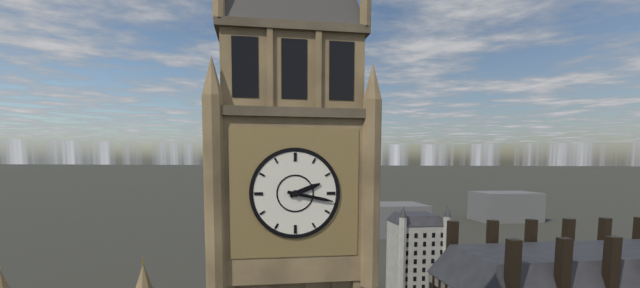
2,17
